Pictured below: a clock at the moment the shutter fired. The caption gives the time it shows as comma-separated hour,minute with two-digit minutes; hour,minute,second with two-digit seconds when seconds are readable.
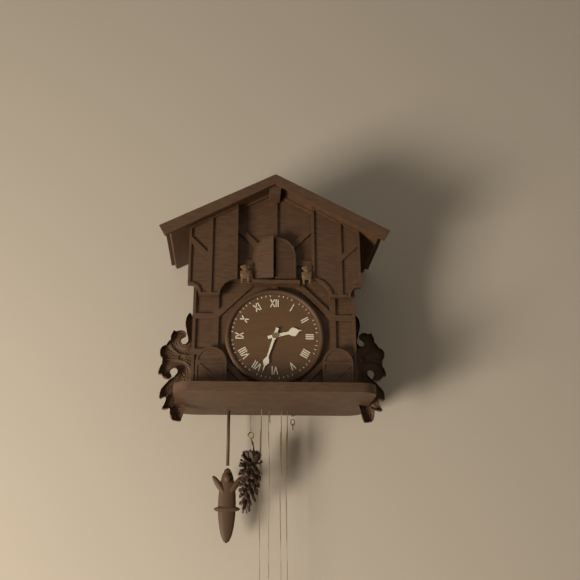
2,33
